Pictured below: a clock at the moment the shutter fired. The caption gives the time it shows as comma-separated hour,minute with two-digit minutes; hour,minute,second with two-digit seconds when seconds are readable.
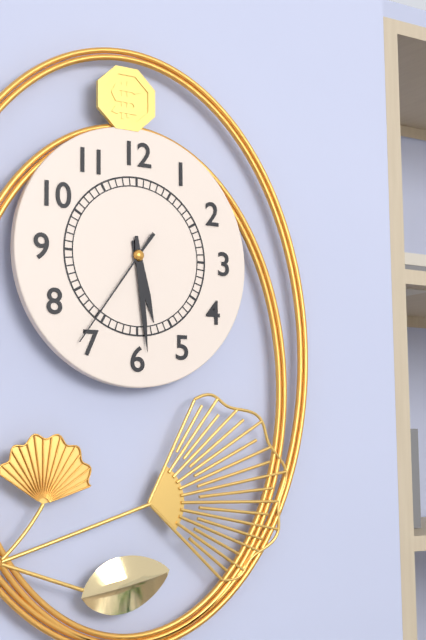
5,29,36
